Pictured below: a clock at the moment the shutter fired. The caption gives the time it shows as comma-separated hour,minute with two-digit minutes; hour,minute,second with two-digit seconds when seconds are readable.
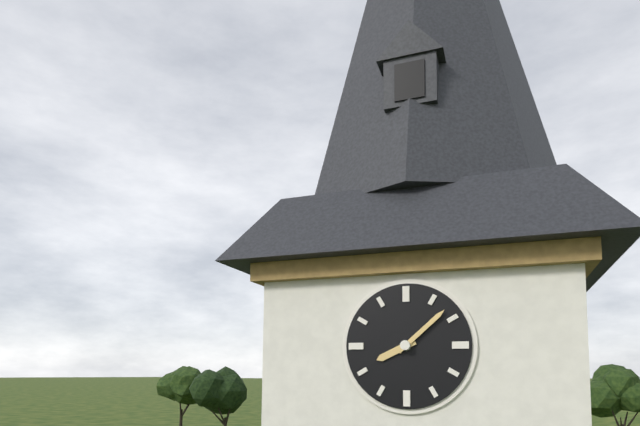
8,08
